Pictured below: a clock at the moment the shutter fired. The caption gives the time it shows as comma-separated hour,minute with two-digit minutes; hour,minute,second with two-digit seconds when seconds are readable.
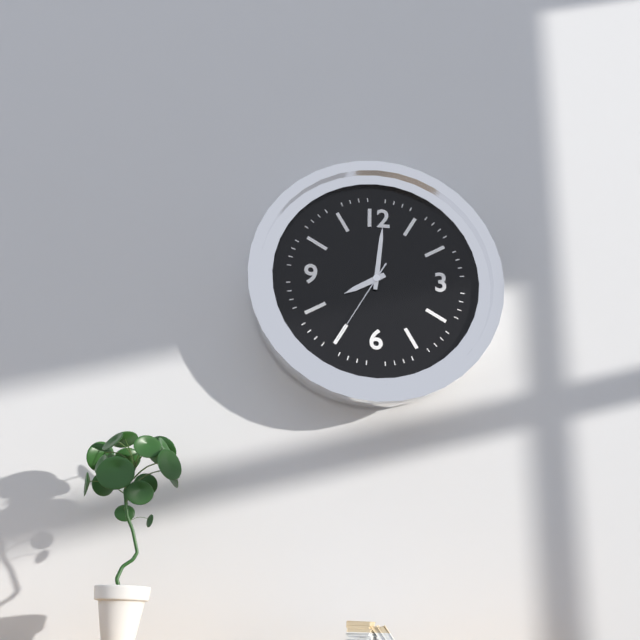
8,01,35
